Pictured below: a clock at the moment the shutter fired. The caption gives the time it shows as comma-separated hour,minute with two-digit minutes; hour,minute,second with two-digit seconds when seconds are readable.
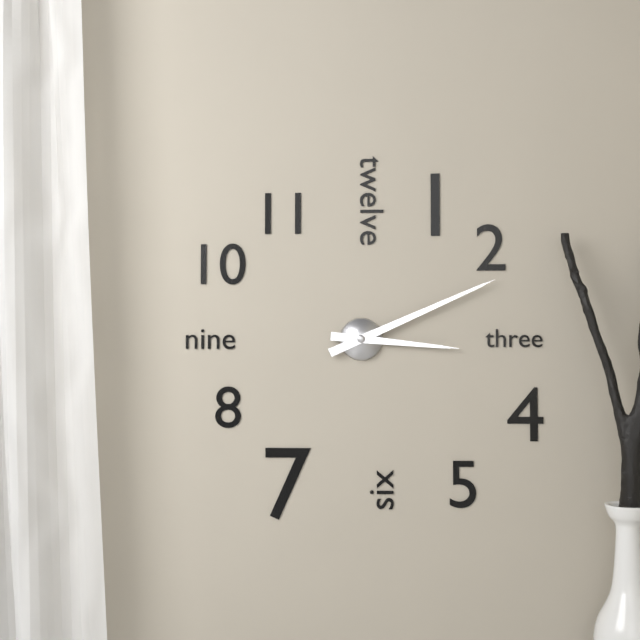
3,11
